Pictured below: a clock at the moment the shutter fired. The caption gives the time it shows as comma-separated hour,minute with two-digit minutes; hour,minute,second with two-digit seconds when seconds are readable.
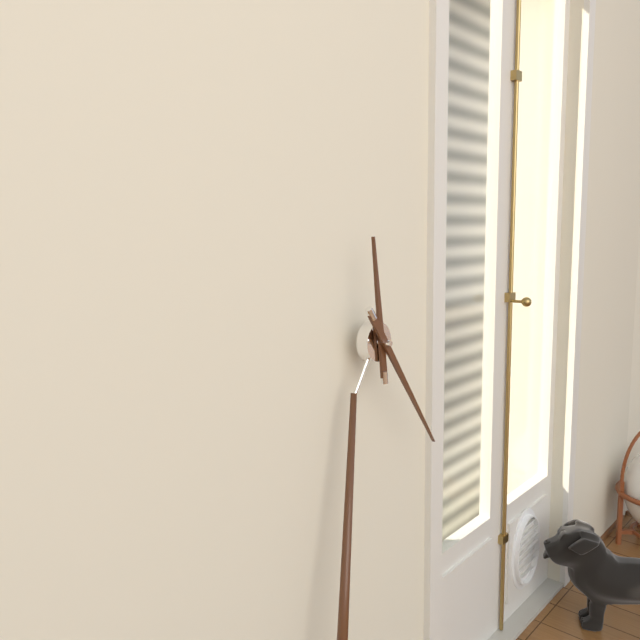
11,22
